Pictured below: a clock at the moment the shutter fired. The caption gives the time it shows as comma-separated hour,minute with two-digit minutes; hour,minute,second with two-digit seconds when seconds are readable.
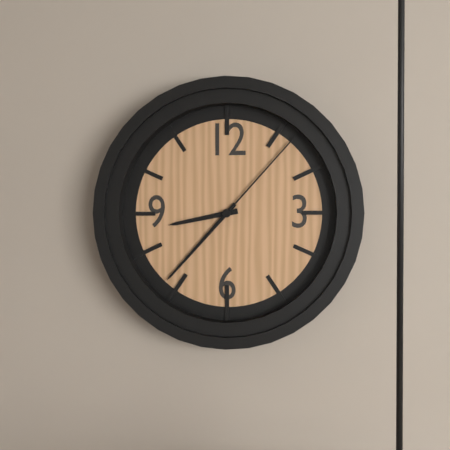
8,37,07
